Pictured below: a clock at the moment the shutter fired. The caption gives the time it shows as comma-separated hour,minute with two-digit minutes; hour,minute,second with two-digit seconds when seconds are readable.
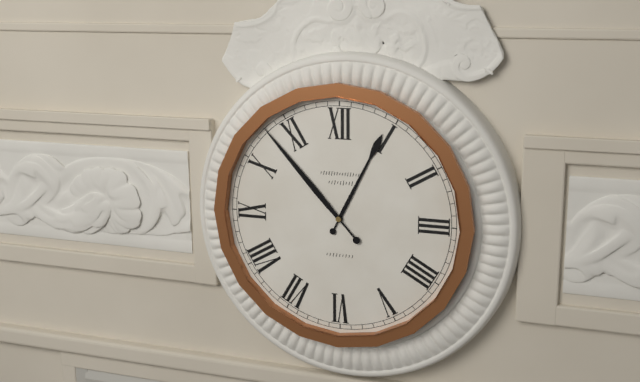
12,53
